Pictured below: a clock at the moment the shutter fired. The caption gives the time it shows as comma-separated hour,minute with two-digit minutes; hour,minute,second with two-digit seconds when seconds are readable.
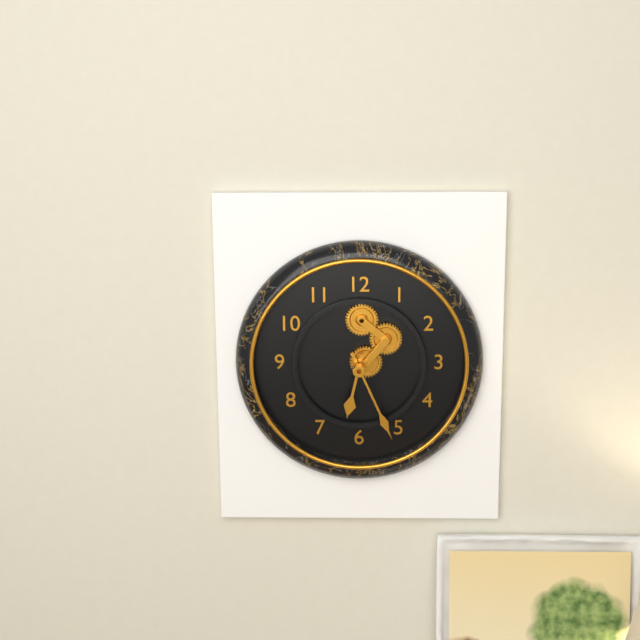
6,26
